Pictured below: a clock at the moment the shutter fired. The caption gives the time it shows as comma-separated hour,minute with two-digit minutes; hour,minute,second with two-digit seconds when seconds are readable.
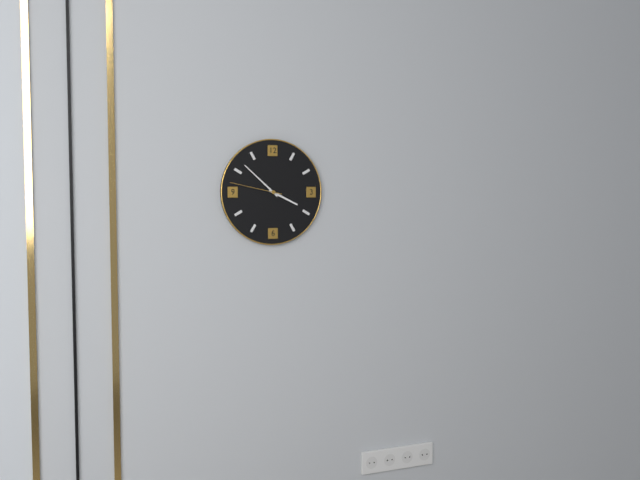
3,52,47
